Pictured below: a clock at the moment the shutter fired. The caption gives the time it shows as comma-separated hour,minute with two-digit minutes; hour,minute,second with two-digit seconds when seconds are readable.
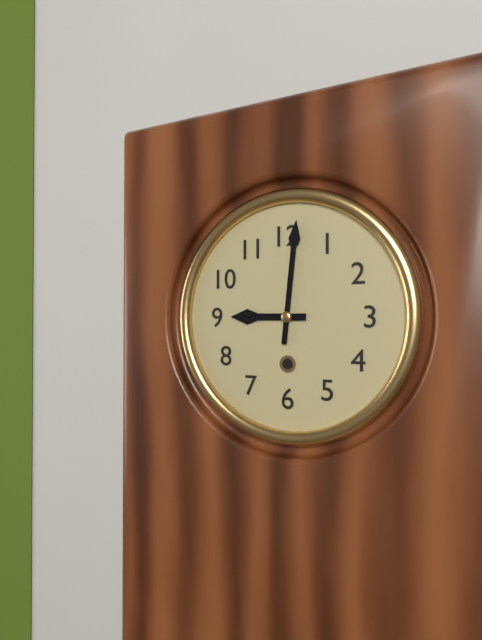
9,01
